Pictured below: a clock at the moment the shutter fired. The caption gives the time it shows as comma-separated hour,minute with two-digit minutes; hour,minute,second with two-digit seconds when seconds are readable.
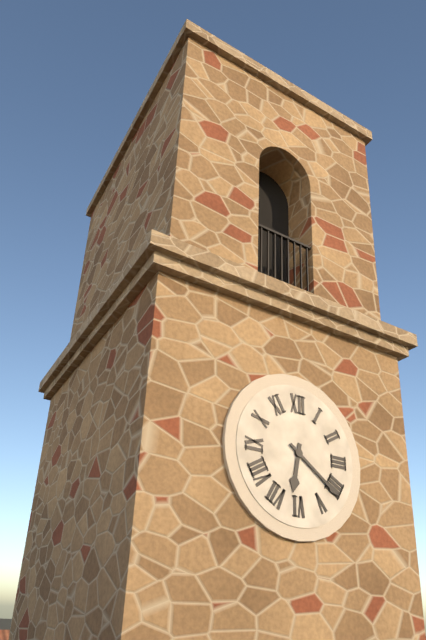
6,21
